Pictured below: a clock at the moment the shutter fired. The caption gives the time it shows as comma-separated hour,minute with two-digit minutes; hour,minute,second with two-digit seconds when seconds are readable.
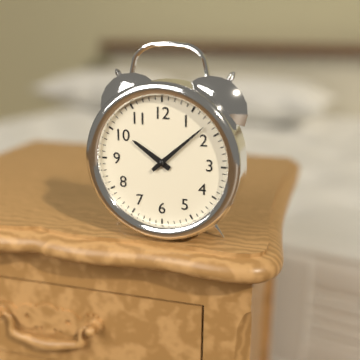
10,08
